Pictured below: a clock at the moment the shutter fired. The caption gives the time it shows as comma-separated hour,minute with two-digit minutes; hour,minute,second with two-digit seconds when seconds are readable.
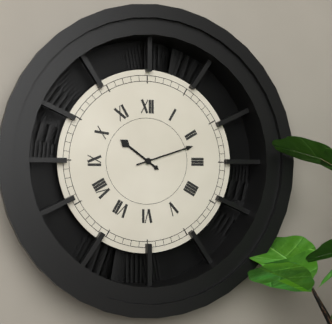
10,12
